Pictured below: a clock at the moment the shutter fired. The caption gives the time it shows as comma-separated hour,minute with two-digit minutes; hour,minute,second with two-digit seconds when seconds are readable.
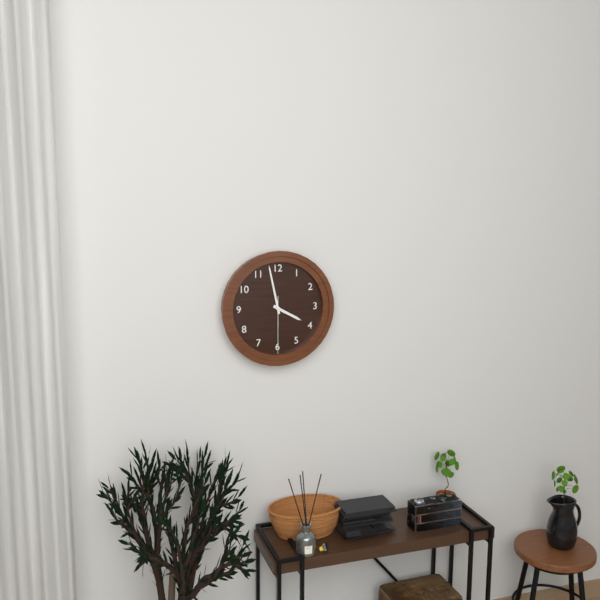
3,58,30
